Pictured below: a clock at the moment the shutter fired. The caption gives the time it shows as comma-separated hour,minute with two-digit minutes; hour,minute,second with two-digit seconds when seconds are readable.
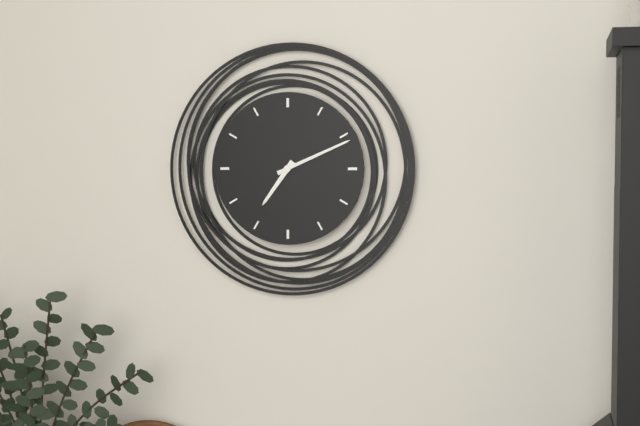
7,11
